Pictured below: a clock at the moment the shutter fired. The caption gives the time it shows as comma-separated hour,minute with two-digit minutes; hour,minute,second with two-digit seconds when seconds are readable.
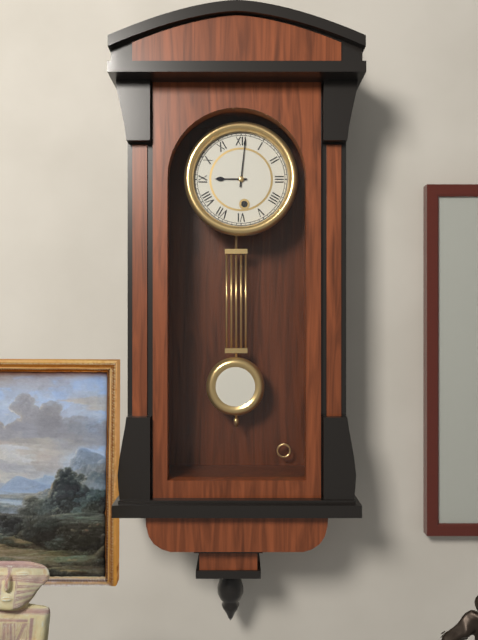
9,01
